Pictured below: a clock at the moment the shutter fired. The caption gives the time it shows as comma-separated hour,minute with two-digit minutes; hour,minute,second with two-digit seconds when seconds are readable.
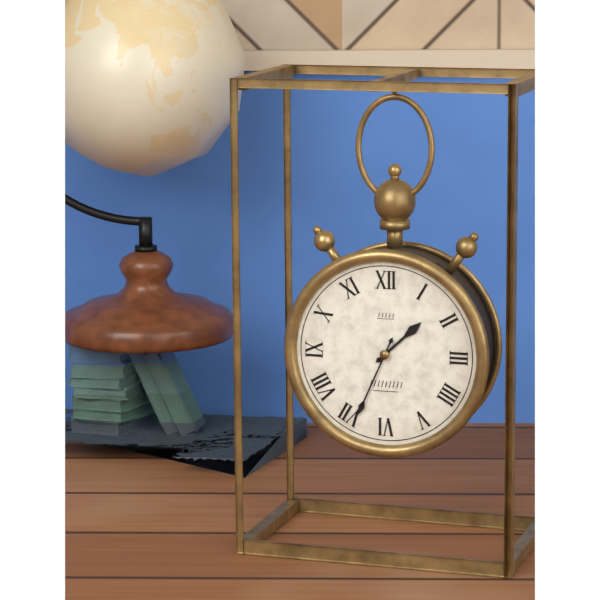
1,34
